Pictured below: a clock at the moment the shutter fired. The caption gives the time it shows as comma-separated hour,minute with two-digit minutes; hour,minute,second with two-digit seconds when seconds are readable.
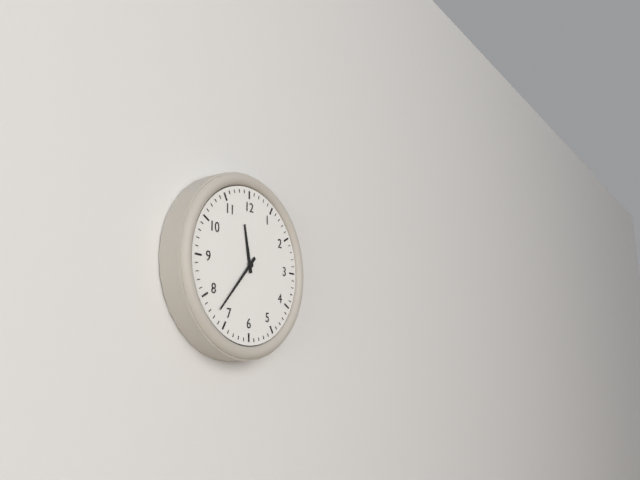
11,37
